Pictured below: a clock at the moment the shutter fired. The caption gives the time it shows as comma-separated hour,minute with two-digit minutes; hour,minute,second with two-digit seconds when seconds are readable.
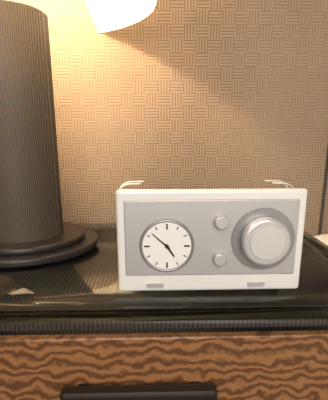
4,52
